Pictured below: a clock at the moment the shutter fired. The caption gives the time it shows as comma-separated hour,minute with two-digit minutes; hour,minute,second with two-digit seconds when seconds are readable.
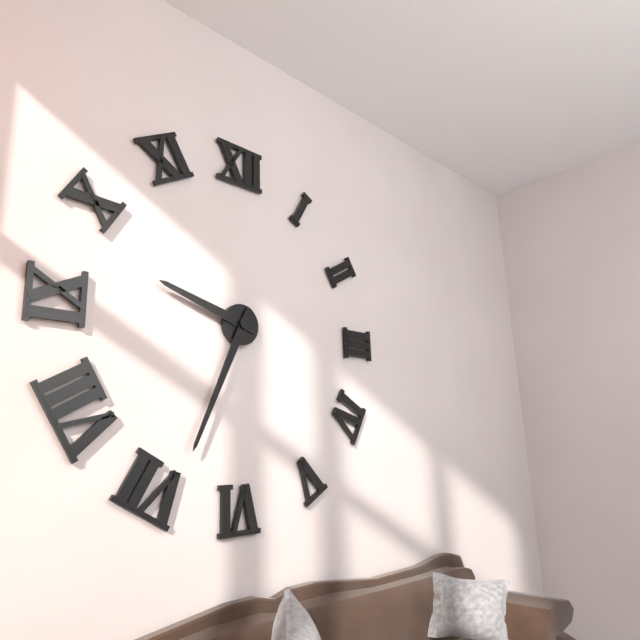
9,34
